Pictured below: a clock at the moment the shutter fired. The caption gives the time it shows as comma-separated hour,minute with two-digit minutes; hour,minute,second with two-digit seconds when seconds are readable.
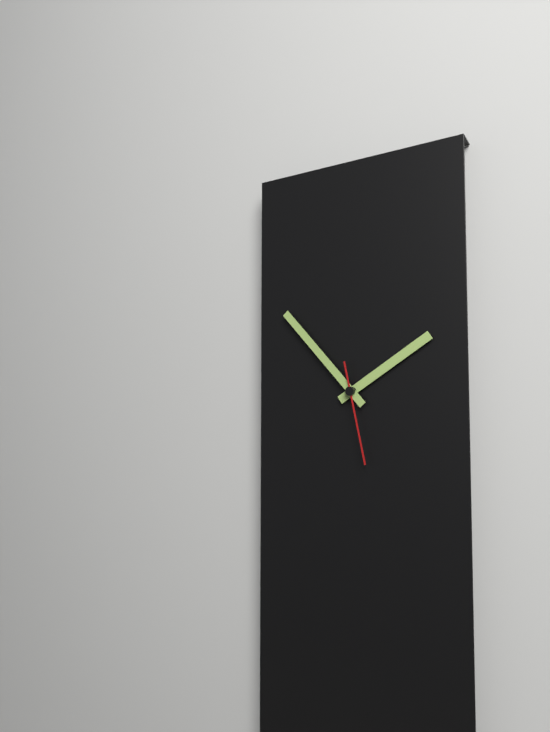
1,53,28
